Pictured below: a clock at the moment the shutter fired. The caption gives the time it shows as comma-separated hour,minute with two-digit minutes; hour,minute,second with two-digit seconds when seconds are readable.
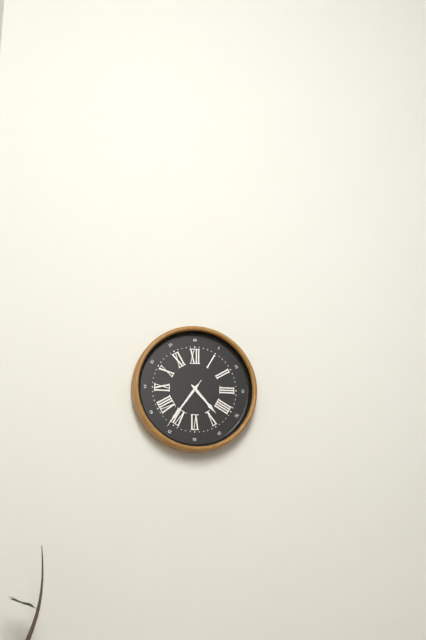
4,36,36
